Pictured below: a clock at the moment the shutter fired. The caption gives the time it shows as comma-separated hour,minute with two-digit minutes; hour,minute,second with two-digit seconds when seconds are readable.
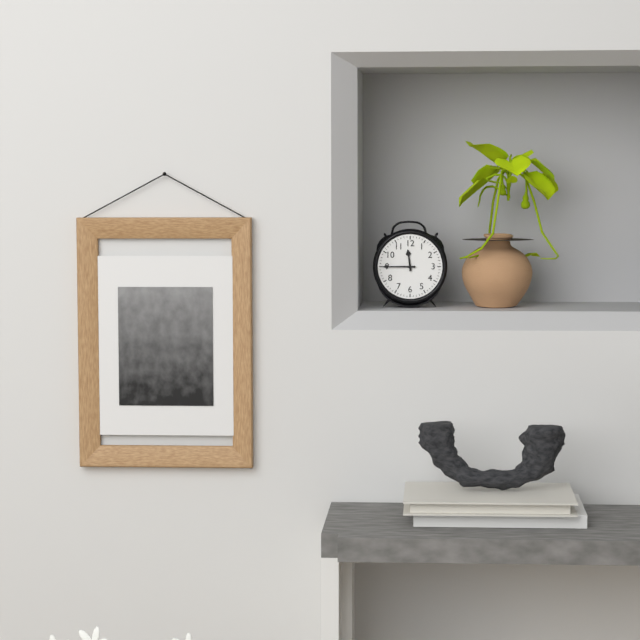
11,45
